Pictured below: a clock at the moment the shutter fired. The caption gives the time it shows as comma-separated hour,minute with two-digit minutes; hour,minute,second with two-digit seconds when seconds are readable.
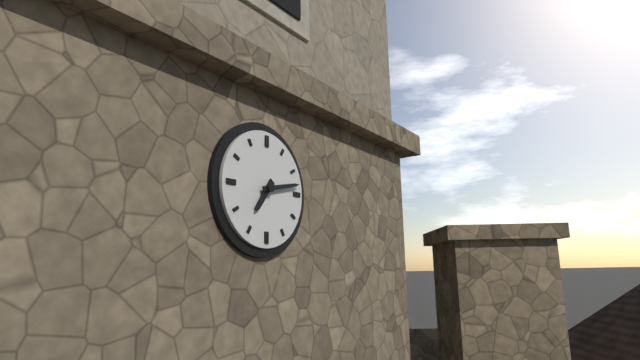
7,13
